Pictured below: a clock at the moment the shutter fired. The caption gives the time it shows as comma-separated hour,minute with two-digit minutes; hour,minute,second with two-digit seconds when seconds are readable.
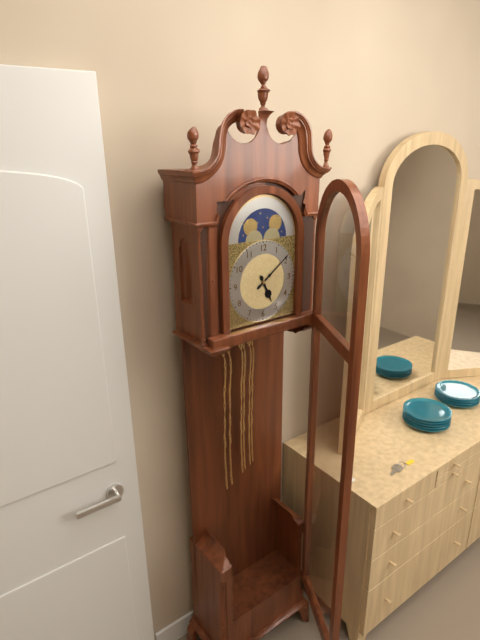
5,09
